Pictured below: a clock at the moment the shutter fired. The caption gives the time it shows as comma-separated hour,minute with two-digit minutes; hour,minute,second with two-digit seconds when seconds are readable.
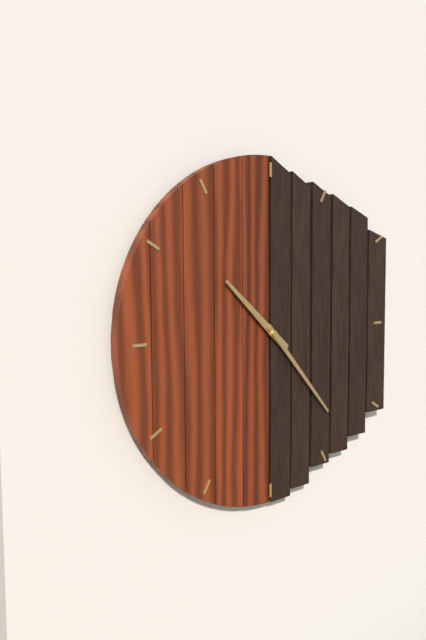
10,23
